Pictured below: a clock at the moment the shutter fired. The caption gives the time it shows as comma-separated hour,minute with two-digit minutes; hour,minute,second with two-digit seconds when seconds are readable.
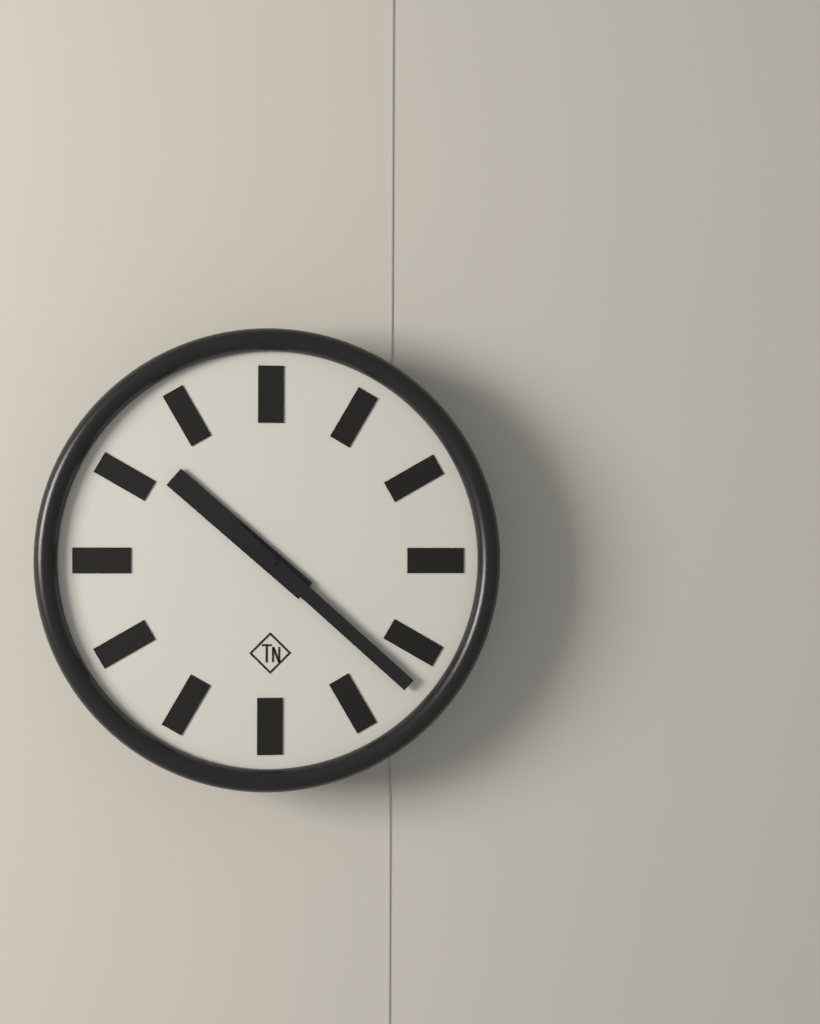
10,22
